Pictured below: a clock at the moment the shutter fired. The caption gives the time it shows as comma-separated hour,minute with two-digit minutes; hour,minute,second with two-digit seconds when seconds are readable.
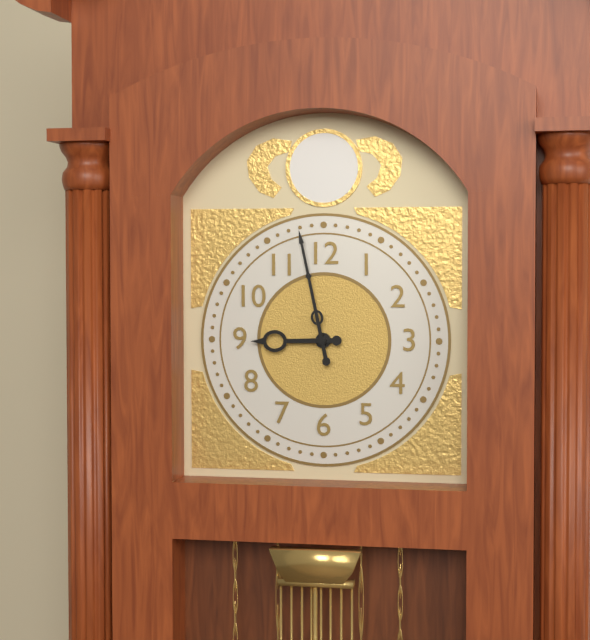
8,58
